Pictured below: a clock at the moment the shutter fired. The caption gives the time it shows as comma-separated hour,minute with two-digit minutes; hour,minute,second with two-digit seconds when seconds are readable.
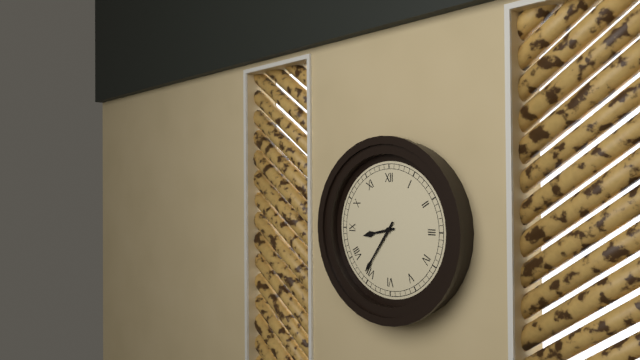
8,36
